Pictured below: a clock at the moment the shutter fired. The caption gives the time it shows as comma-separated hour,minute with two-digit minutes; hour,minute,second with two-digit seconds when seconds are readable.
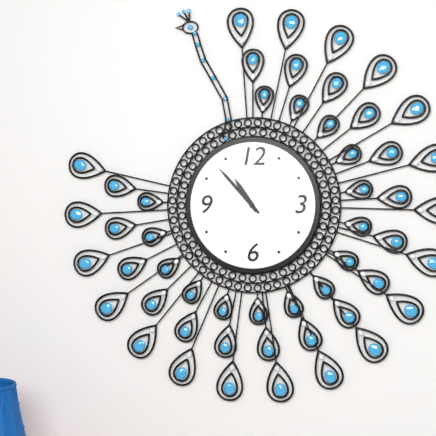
10,53
